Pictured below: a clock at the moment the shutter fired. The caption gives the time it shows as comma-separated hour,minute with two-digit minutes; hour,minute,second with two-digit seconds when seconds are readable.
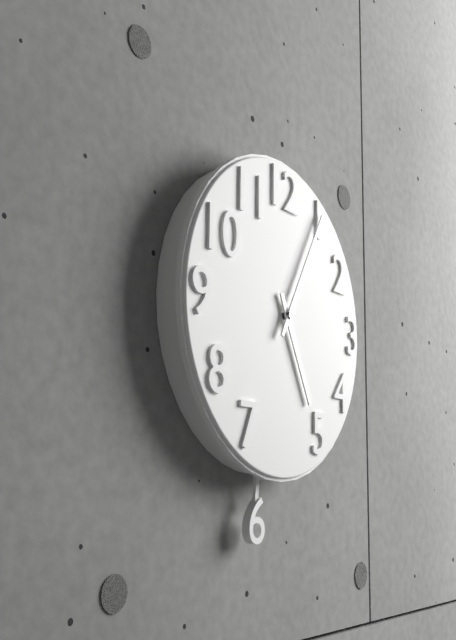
5,05
